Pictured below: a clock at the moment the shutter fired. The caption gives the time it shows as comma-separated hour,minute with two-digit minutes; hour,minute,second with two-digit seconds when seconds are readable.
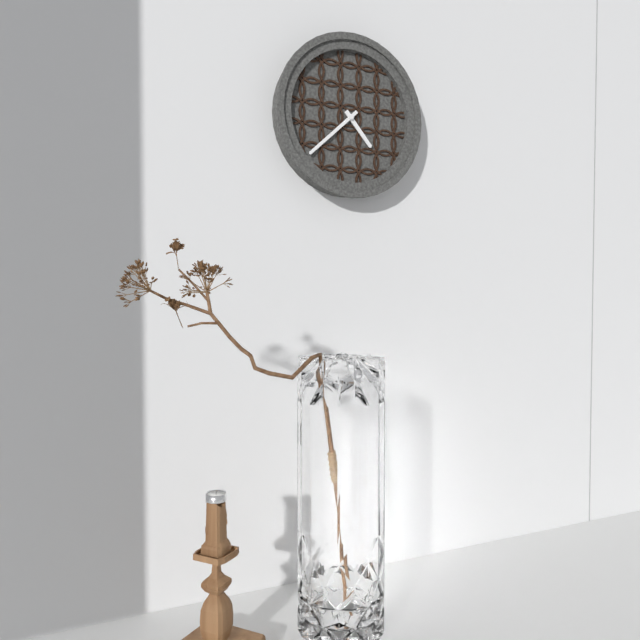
4,38
